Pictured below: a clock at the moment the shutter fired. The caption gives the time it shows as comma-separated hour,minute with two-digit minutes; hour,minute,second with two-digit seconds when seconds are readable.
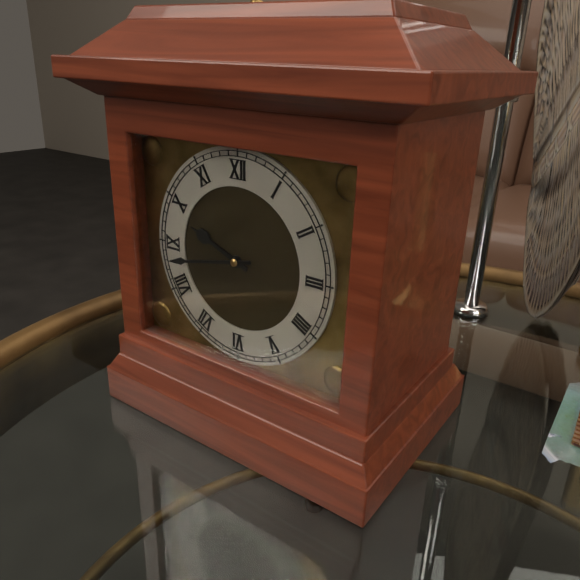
9,43
